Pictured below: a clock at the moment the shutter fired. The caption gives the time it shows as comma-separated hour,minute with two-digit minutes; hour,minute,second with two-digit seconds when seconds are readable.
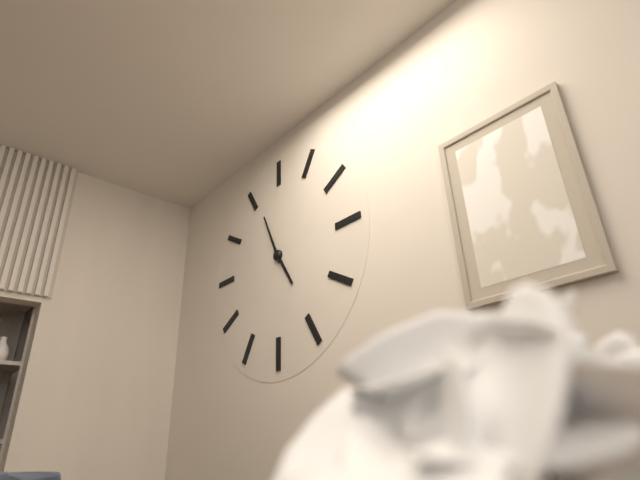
4,56
